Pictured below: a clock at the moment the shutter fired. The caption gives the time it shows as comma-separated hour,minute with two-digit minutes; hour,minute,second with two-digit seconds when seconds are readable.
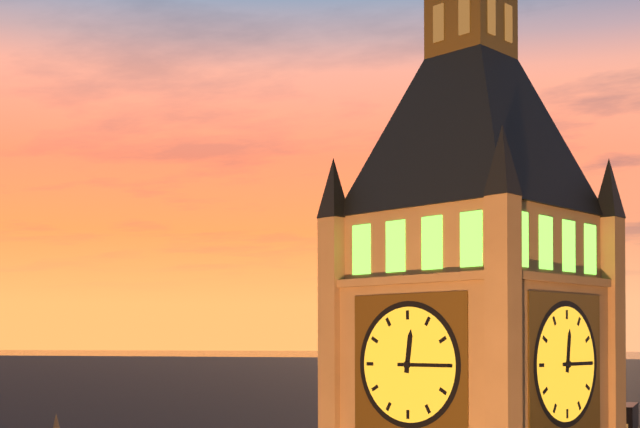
12,15
